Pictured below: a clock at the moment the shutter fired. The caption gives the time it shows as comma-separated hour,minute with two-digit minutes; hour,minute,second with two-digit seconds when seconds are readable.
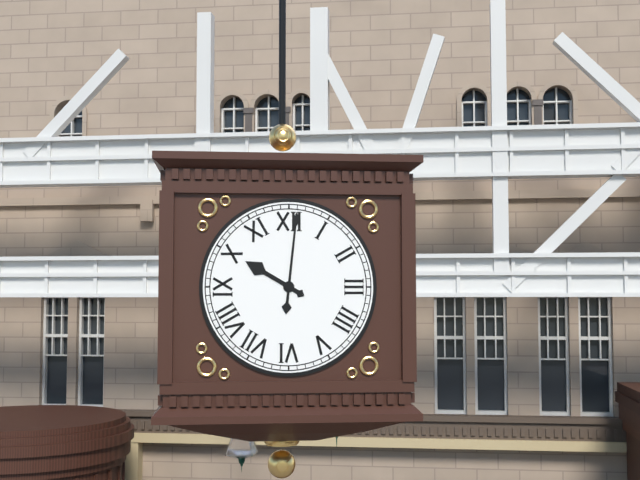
10,01
